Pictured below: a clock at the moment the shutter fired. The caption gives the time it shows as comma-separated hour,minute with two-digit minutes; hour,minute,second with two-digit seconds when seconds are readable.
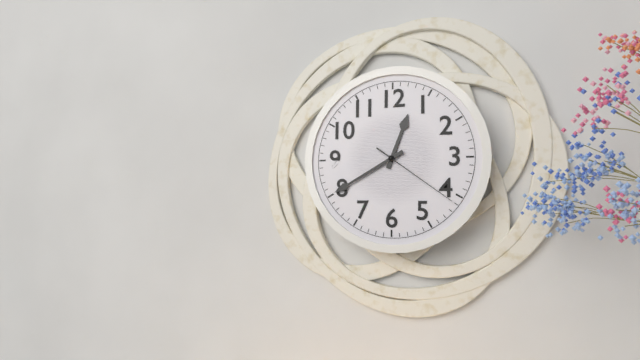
12,40,21
